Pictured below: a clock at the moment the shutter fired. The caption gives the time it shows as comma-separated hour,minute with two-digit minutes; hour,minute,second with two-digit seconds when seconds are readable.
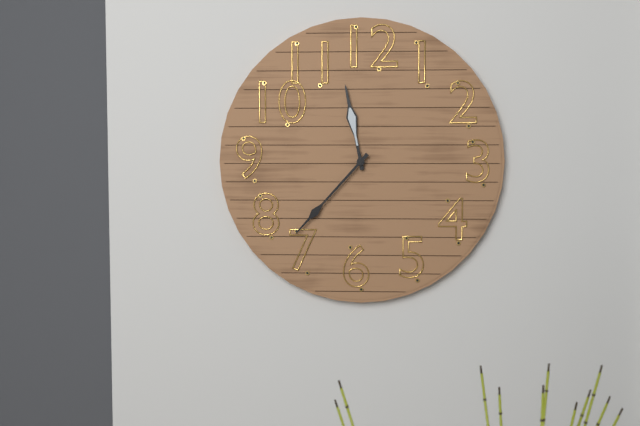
11,37
